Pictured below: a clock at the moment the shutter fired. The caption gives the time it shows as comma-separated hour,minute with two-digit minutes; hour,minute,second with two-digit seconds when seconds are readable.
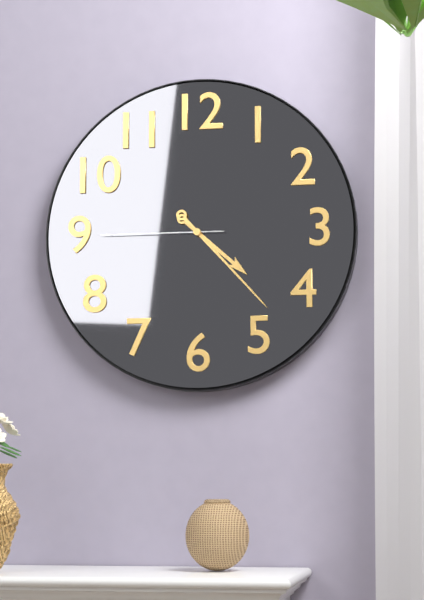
4,23,45
